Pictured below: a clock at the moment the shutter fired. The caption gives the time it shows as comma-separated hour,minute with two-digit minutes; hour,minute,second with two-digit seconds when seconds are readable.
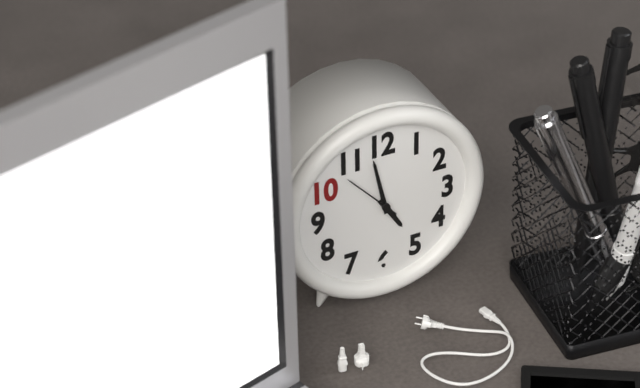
4,58,53
